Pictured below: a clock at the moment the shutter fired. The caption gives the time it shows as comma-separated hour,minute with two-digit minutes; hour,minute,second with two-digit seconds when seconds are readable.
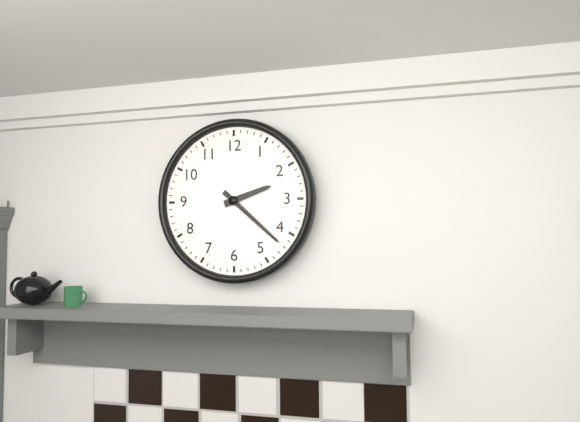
2,22
